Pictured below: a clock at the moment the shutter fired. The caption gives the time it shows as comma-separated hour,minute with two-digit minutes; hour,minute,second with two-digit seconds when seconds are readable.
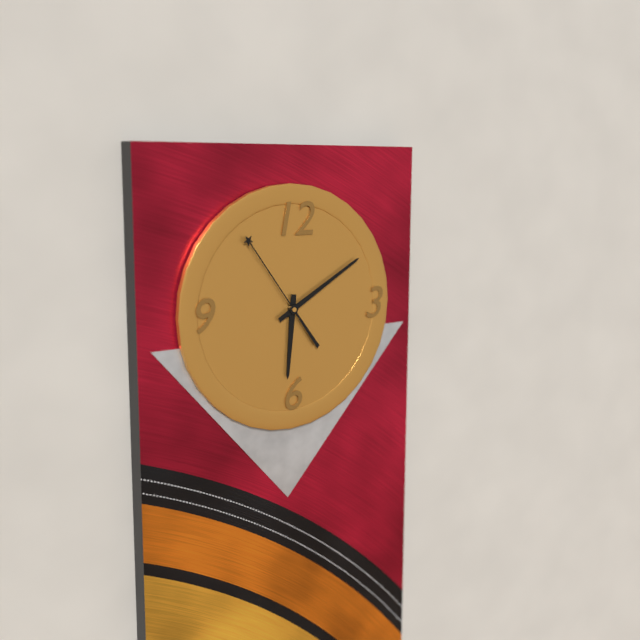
6,10,54
